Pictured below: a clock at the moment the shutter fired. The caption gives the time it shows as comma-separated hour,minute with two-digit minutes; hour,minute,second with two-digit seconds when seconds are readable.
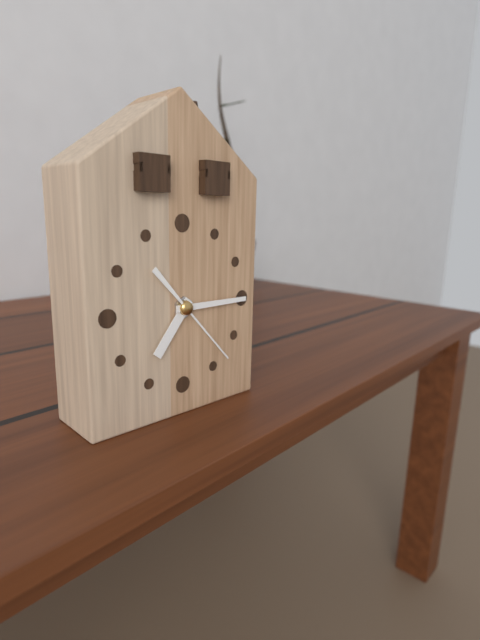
7,15,23
